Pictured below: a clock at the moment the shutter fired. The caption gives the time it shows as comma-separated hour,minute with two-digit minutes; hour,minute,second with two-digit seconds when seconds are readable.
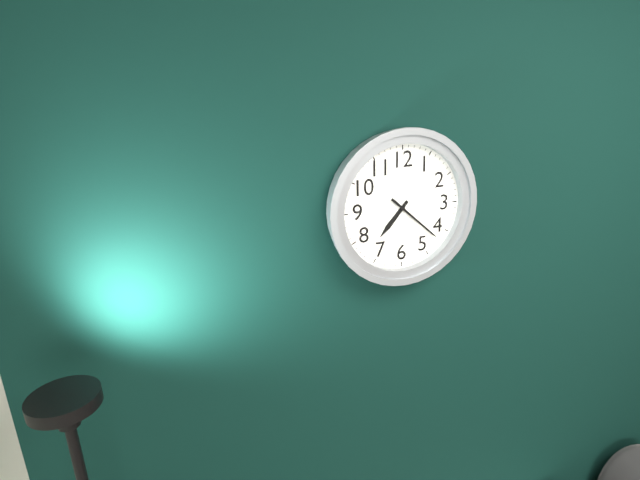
7,22
